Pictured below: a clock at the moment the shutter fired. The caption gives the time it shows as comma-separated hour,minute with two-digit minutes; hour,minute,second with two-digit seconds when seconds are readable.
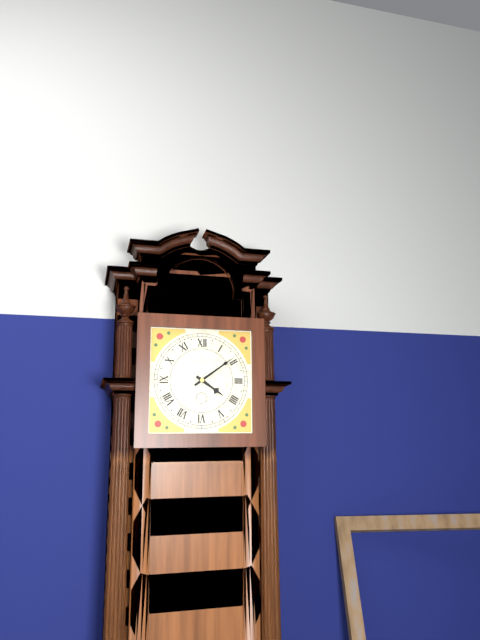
4,09
